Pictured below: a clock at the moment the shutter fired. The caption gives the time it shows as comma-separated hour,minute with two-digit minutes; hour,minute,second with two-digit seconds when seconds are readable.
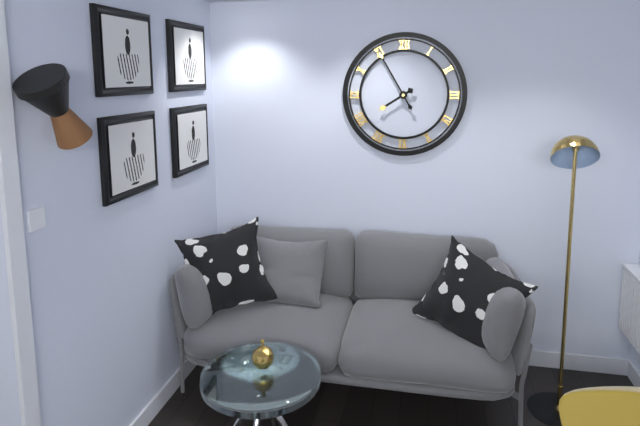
7,55
